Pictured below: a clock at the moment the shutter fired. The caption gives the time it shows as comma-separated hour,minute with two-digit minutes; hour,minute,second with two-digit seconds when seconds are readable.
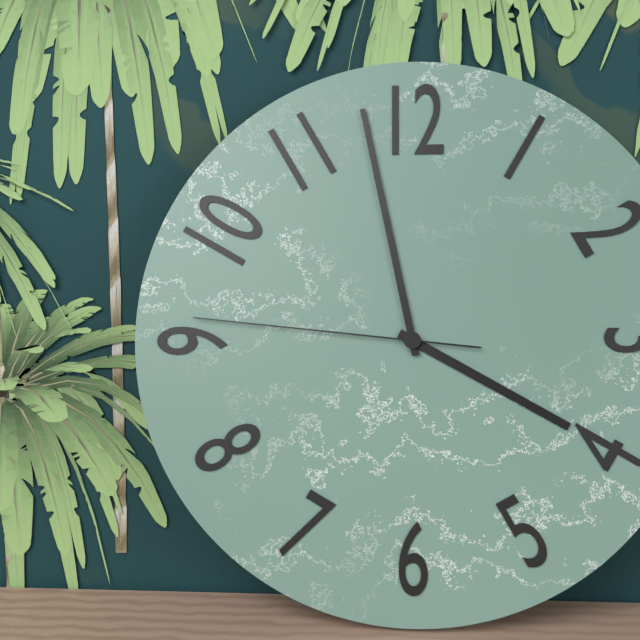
3,58,46
